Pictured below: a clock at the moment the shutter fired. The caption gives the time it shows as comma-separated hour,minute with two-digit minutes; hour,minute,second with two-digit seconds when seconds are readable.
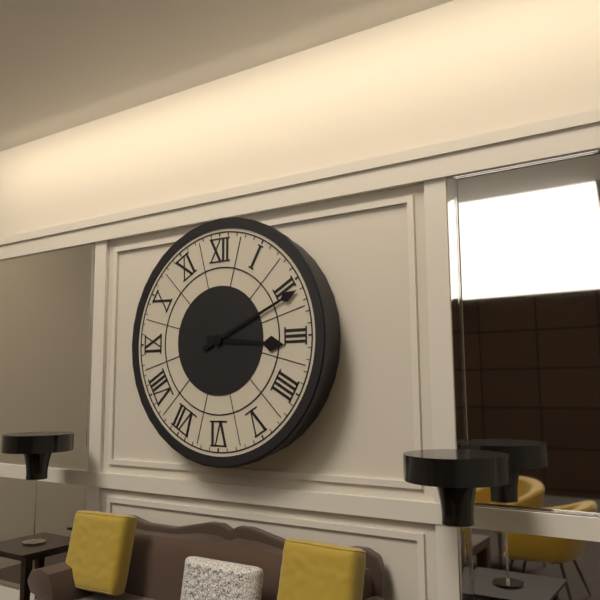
3,11
